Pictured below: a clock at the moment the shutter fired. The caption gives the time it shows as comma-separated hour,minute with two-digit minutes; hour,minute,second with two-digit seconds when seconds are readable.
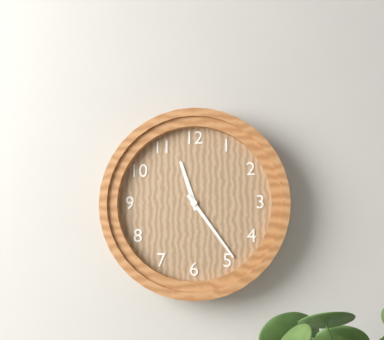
11,24
